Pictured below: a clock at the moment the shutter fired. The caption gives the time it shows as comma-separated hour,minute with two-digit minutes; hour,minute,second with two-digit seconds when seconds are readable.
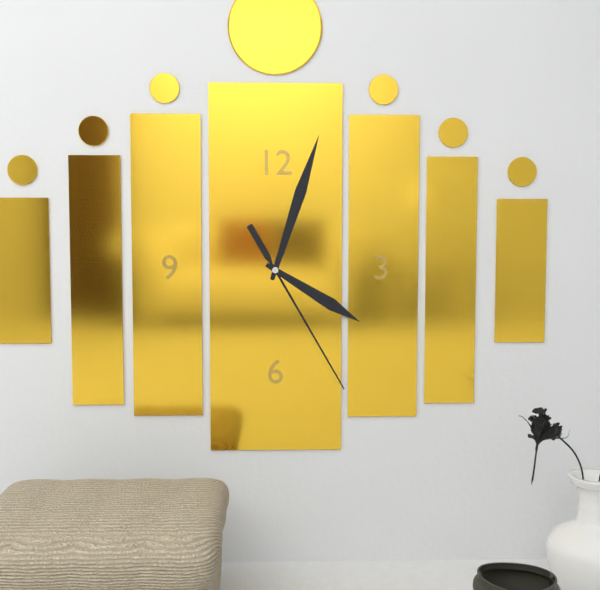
4,03,25
